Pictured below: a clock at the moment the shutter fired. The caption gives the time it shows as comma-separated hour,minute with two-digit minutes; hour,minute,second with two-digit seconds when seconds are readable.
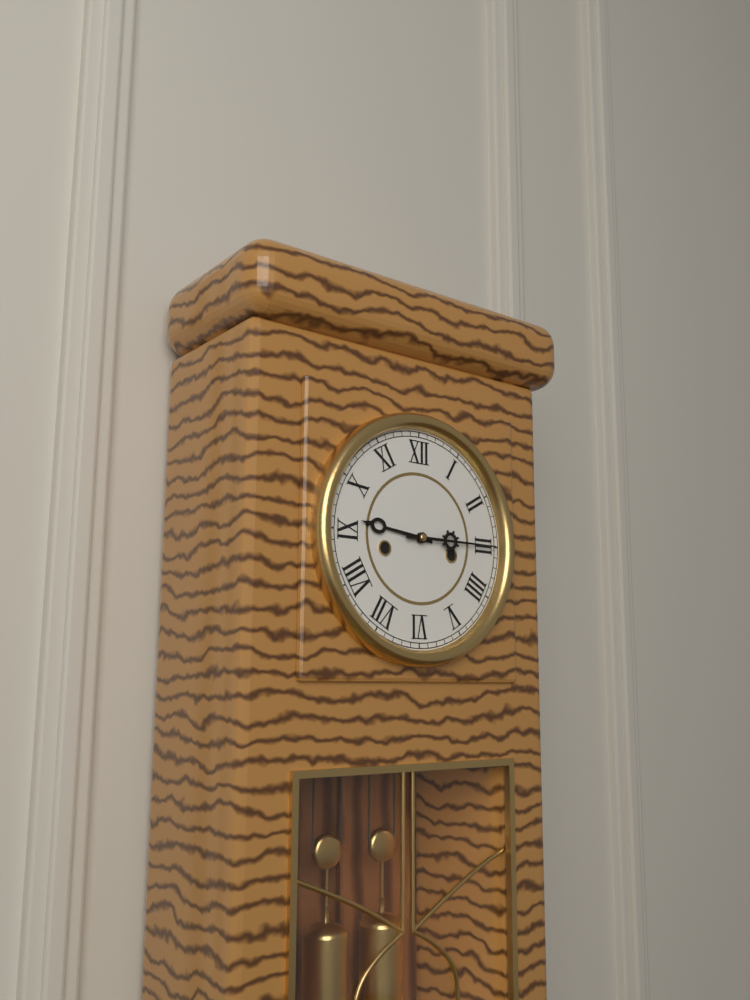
9,15
